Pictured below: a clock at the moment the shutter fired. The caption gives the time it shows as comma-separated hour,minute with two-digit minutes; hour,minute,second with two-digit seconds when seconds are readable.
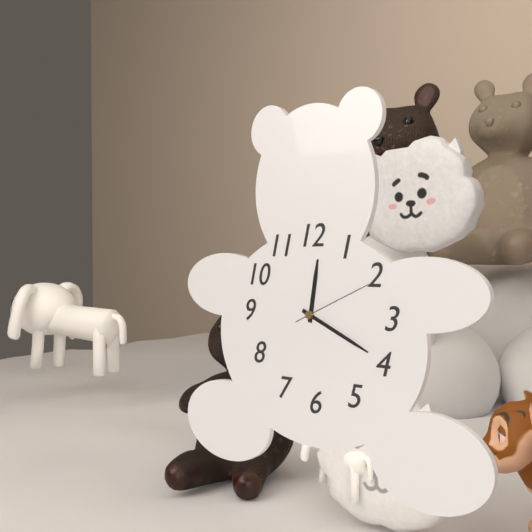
12,19,11
